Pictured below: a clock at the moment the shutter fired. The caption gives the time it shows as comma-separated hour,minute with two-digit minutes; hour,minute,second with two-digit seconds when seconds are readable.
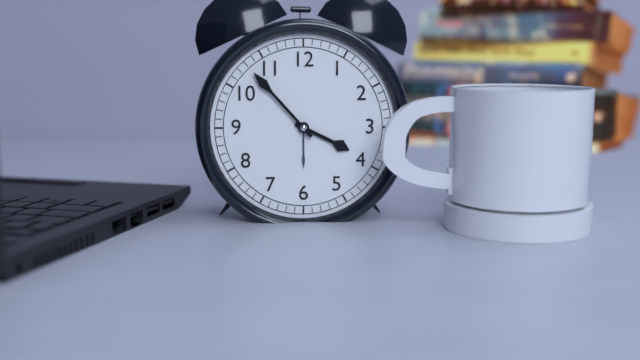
3,53
